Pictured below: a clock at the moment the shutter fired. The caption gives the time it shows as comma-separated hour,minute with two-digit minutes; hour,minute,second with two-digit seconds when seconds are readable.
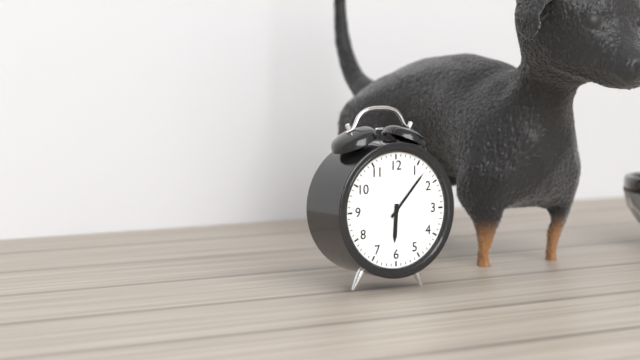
6,07
